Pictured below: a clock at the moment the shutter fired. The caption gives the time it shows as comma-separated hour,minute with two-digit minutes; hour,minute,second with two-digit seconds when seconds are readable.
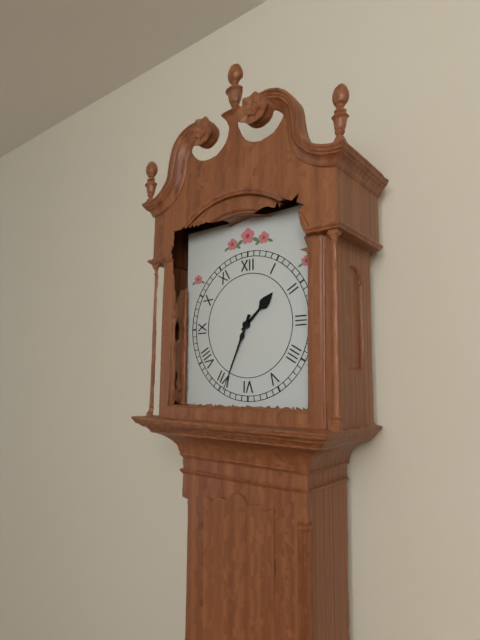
1,34
